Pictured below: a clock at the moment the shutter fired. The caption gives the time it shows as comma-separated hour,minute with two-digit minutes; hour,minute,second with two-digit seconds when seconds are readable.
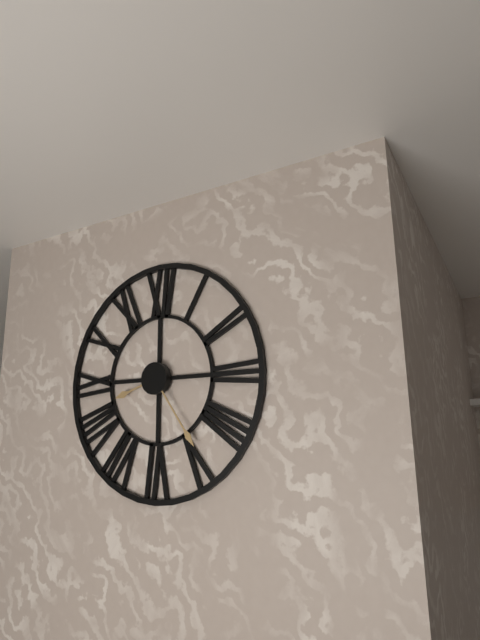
8,24
